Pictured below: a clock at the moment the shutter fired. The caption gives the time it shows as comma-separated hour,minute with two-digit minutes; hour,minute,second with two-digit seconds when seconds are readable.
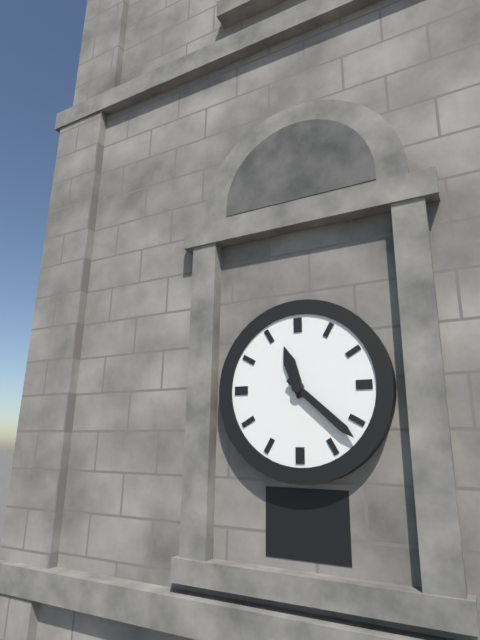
11,22
